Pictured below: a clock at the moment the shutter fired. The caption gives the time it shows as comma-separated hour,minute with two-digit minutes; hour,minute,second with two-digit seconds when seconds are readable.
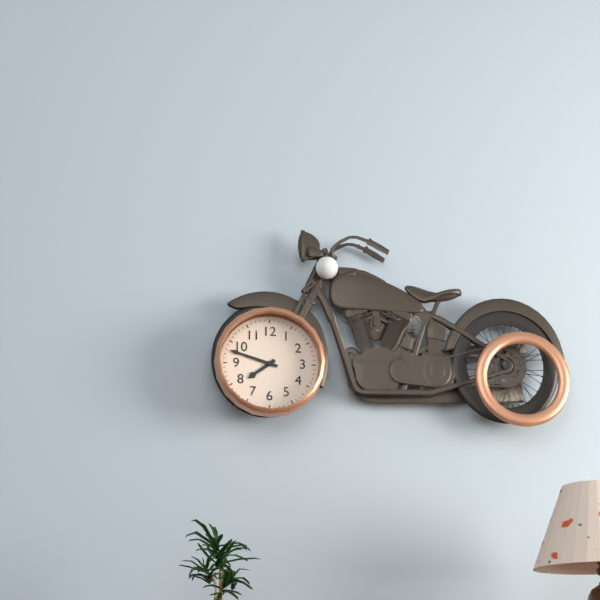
7,48
